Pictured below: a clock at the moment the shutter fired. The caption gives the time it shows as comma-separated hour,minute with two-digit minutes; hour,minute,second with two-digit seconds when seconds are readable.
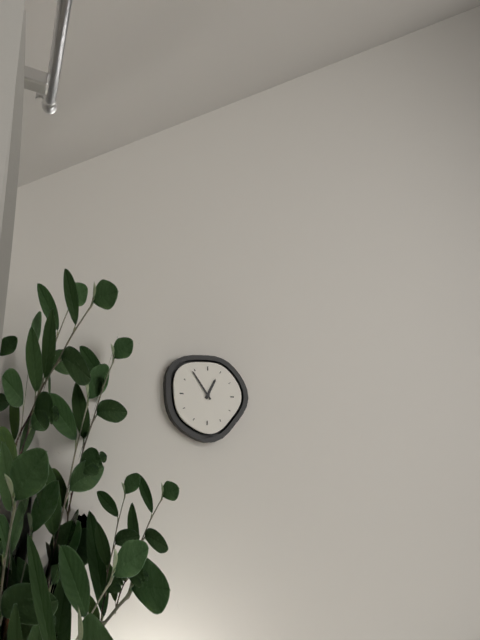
12,54
